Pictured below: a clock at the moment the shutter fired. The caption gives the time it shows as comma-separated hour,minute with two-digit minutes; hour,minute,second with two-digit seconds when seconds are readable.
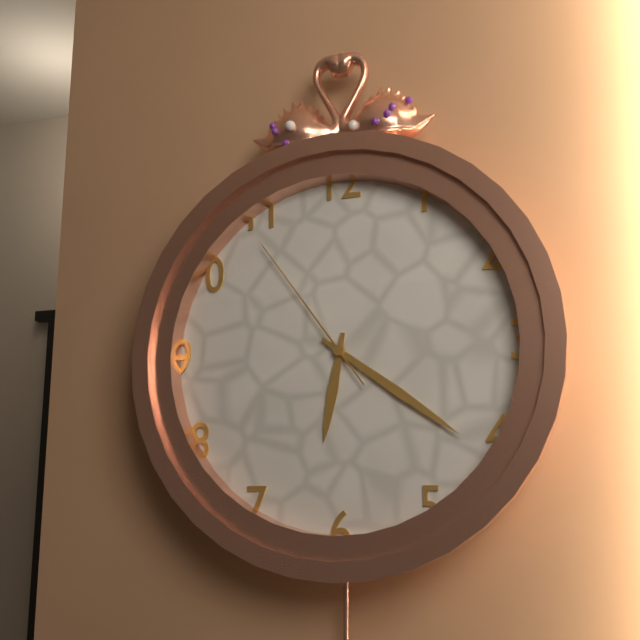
6,21,54
